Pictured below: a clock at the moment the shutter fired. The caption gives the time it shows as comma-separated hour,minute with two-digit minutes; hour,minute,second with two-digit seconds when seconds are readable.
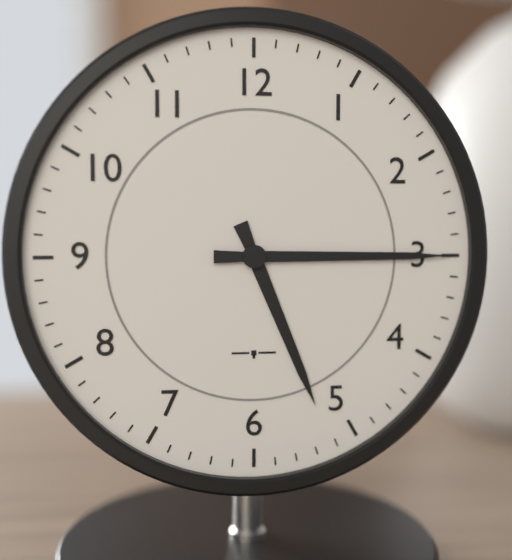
5,15
